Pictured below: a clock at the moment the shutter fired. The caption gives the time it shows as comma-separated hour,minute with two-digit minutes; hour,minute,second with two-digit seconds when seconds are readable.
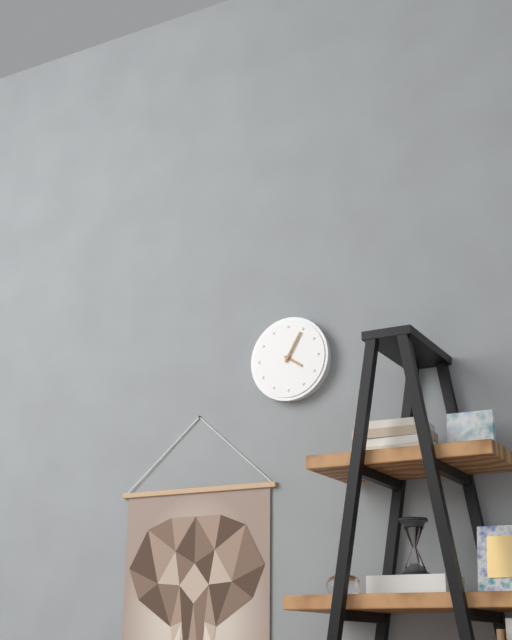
4,05
